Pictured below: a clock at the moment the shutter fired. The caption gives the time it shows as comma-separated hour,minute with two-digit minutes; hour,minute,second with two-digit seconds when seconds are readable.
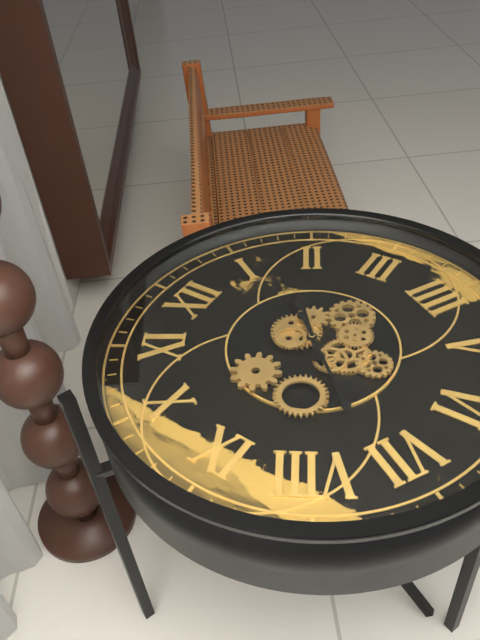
1,37
